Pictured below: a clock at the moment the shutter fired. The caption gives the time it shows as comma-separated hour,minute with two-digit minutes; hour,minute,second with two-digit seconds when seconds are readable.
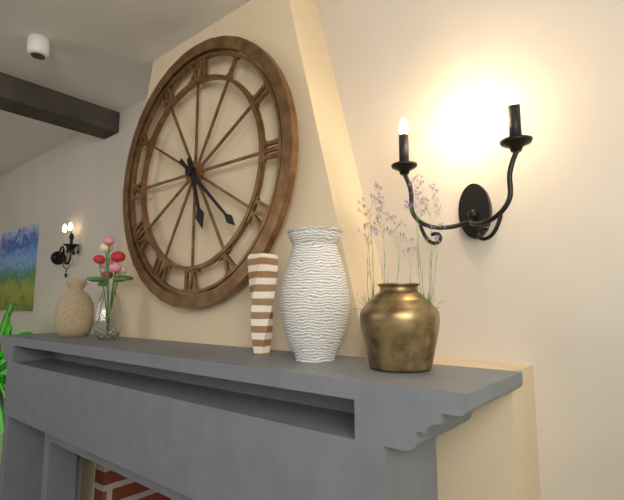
5,22
